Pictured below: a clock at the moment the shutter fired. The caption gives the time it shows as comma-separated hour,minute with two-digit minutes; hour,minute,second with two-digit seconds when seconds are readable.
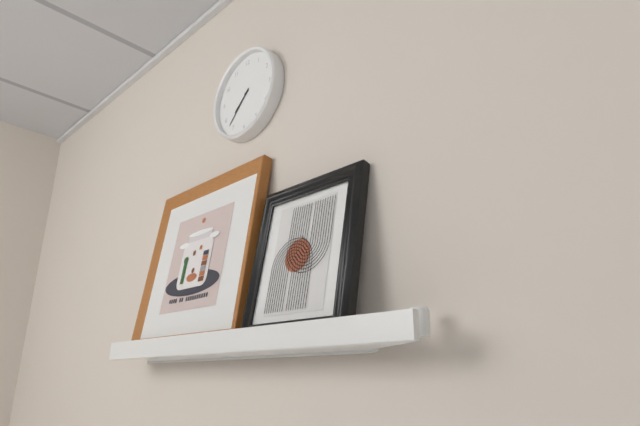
7,37
